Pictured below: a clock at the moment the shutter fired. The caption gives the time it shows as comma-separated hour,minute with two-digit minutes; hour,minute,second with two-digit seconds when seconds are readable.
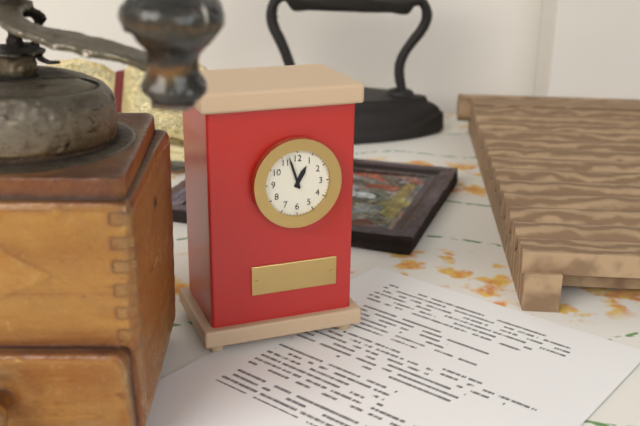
12,57
